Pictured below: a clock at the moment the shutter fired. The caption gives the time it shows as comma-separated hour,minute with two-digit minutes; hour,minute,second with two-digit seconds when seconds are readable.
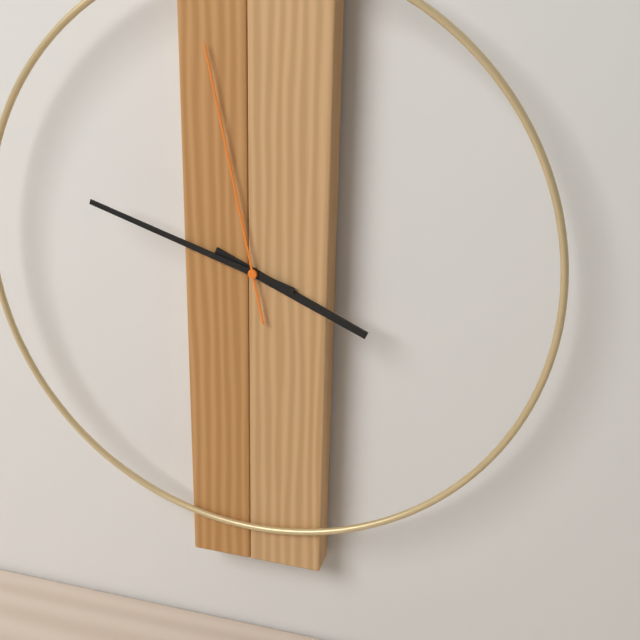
3,48,58
